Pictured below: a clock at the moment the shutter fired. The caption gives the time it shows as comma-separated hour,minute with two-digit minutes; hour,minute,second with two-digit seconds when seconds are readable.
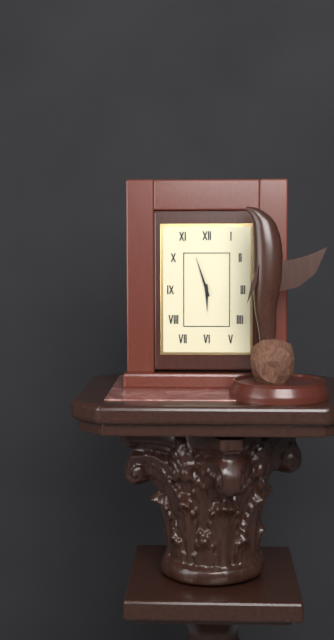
5,57
